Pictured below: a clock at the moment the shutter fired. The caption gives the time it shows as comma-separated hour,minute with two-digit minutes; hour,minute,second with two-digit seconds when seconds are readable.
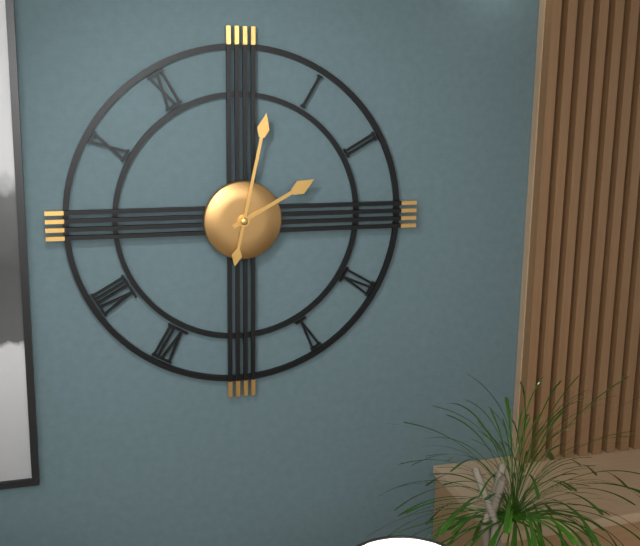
2,02
